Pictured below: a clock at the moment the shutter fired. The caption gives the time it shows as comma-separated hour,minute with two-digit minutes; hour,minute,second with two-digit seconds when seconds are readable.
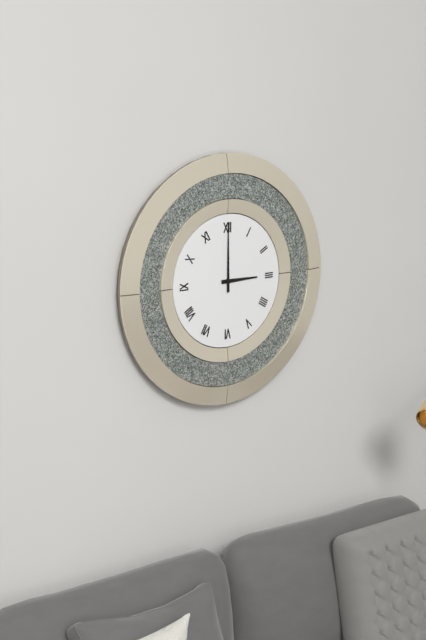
3,00
